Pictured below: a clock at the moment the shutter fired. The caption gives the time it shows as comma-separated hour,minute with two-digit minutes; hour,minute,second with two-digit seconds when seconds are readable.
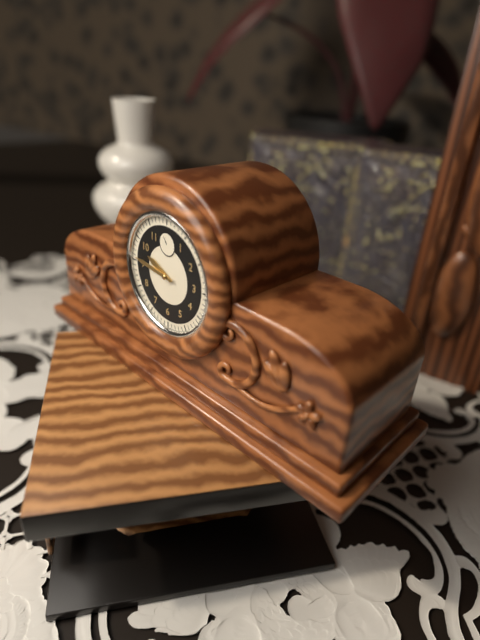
9,46
